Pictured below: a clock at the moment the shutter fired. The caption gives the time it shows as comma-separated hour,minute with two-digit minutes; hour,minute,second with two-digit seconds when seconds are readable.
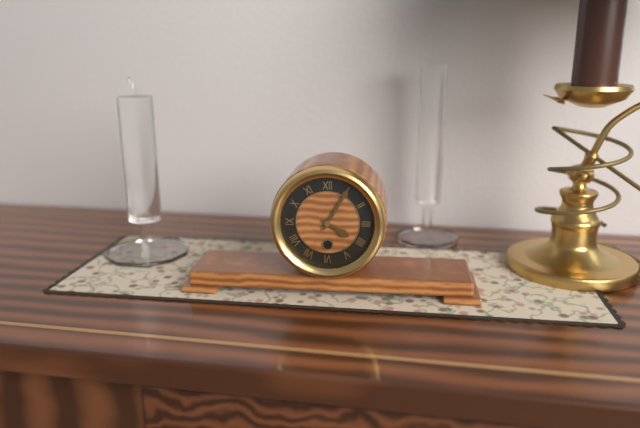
4,05
